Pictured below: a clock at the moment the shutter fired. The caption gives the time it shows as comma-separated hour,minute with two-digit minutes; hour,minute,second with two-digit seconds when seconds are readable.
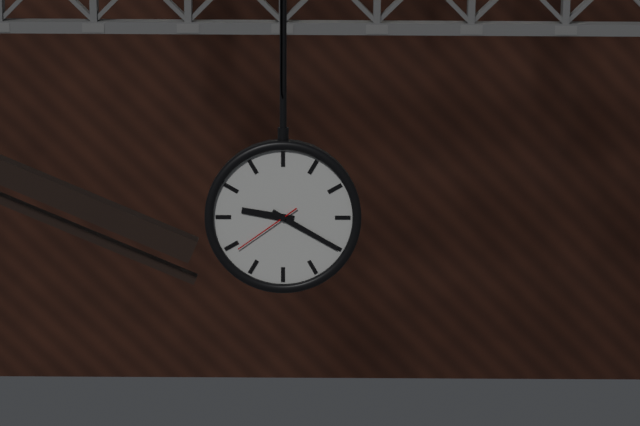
9,20,39
